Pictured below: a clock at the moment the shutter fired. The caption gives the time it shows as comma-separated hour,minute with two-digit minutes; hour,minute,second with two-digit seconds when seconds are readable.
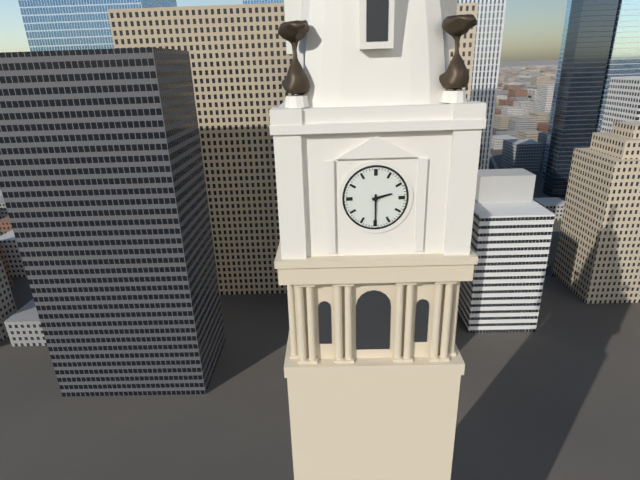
2,30
